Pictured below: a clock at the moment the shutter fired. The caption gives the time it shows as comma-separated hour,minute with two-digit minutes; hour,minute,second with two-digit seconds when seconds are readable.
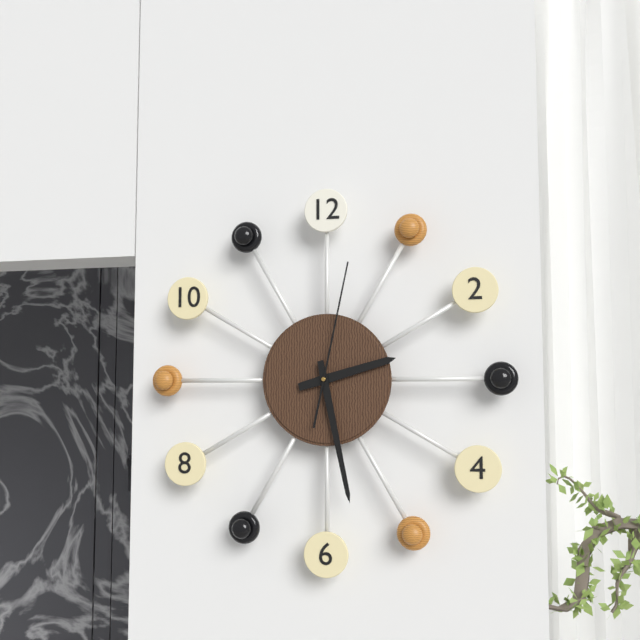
2,28,02
